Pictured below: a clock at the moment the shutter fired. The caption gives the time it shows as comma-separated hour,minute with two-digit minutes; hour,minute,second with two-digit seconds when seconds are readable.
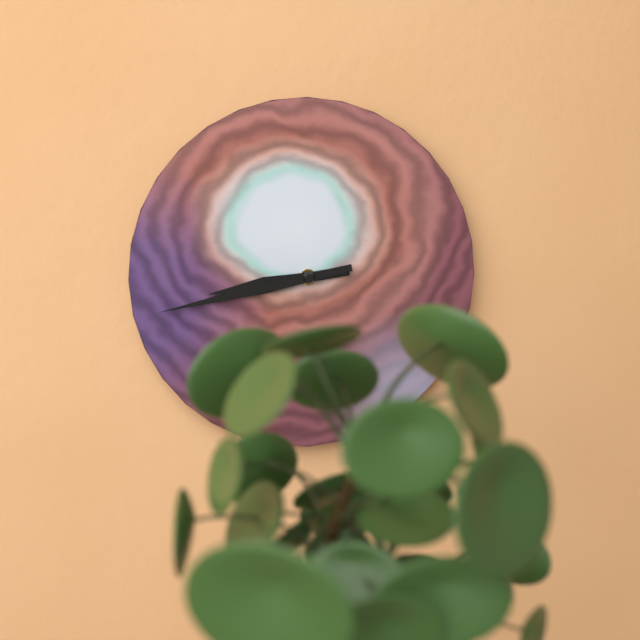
8,43
